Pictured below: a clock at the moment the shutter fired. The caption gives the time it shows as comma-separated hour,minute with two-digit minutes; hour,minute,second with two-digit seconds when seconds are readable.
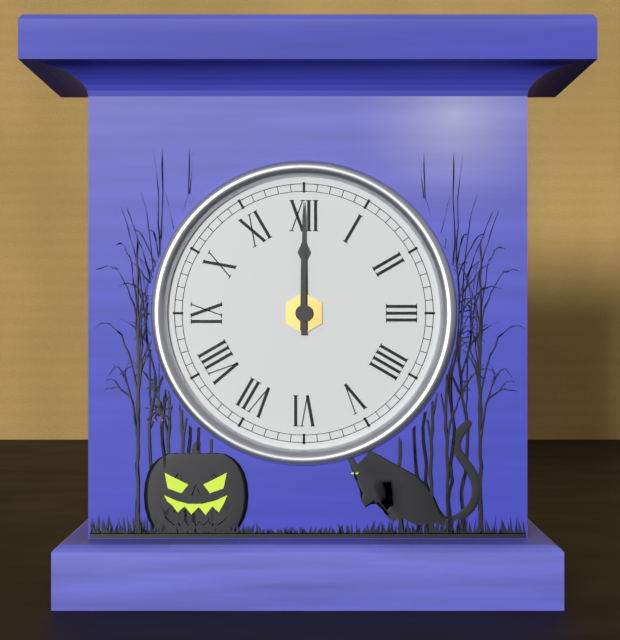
12,00
